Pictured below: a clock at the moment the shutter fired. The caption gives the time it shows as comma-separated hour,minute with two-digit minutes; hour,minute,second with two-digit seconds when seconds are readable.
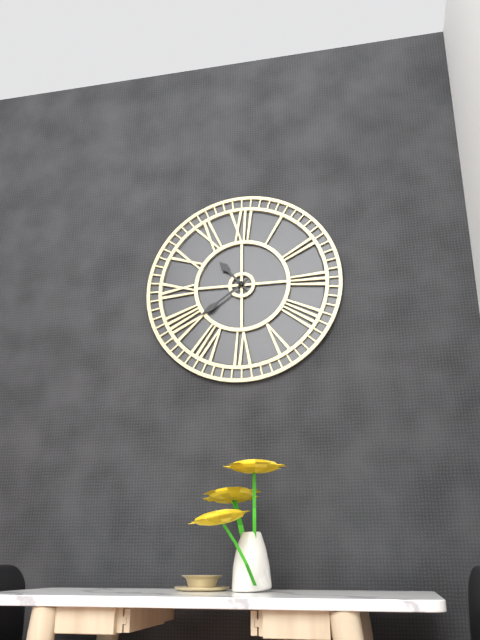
10,39
